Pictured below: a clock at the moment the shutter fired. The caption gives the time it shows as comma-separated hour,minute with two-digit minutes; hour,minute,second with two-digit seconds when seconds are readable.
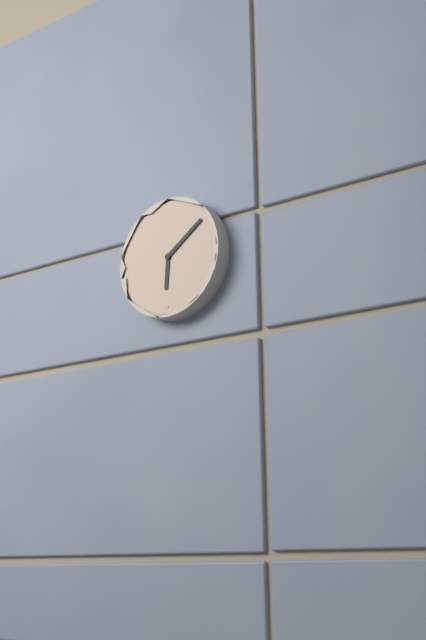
6,09
